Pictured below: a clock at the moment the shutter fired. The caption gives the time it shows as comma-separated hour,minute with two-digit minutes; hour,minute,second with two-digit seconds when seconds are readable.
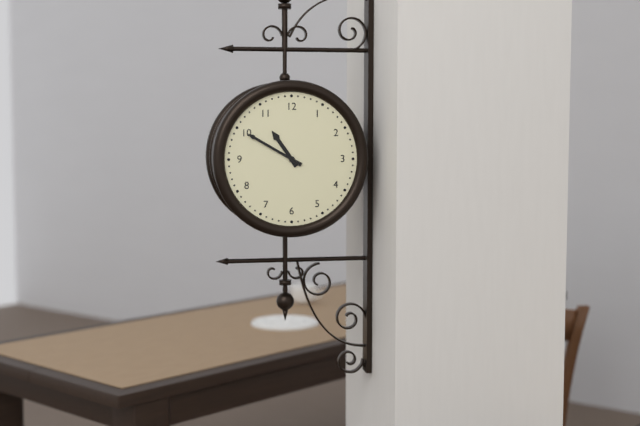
10,50
